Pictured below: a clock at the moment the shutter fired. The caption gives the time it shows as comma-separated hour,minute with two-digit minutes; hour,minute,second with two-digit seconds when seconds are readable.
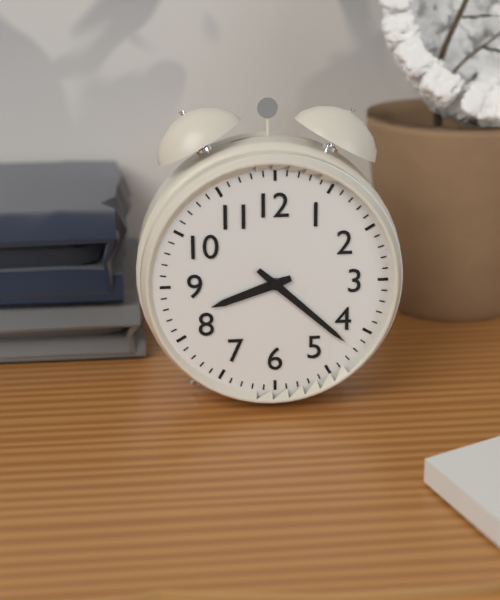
8,22
